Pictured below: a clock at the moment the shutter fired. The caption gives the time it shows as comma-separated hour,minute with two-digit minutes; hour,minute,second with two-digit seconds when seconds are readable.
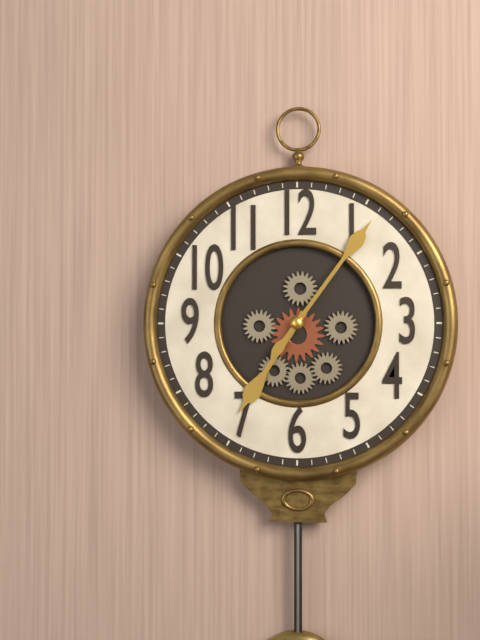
7,06
